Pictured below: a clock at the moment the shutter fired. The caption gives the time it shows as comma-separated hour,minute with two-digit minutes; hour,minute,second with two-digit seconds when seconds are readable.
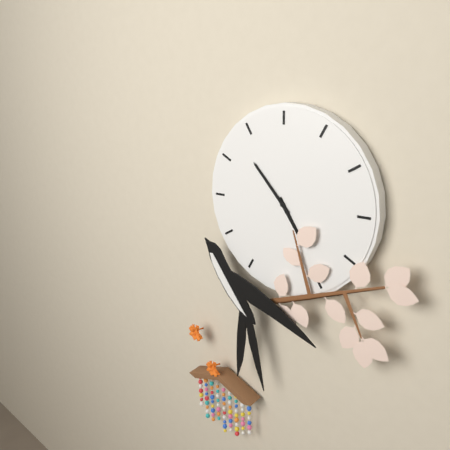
4,53
